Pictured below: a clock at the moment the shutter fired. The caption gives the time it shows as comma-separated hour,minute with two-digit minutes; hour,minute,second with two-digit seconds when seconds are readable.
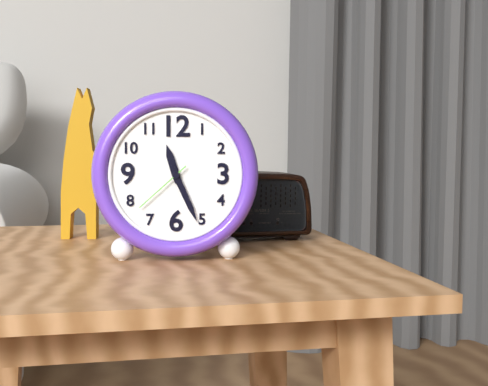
11,26,38
